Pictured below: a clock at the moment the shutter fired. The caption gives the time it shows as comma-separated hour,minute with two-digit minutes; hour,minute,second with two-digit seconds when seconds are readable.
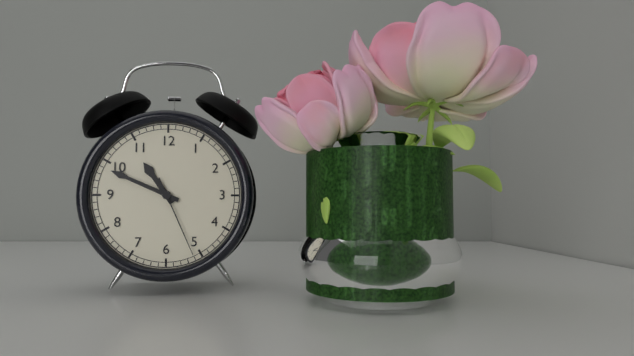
10,49,26
